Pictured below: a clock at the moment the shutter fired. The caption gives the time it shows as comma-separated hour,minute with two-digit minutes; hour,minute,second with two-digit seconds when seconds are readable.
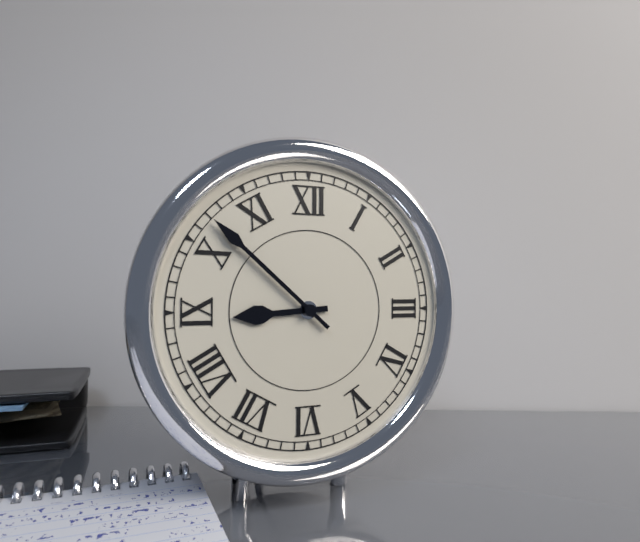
8,52
